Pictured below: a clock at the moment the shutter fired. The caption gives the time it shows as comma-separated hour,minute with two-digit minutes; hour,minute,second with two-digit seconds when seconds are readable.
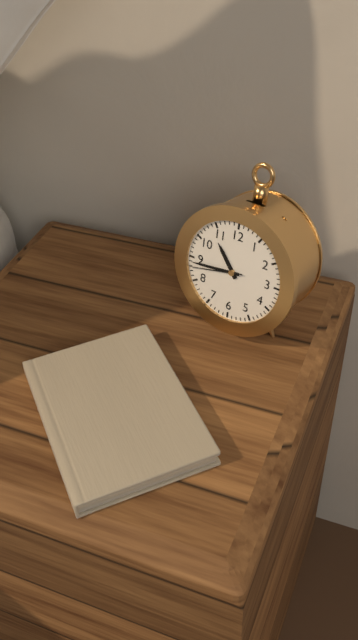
10,44,43
